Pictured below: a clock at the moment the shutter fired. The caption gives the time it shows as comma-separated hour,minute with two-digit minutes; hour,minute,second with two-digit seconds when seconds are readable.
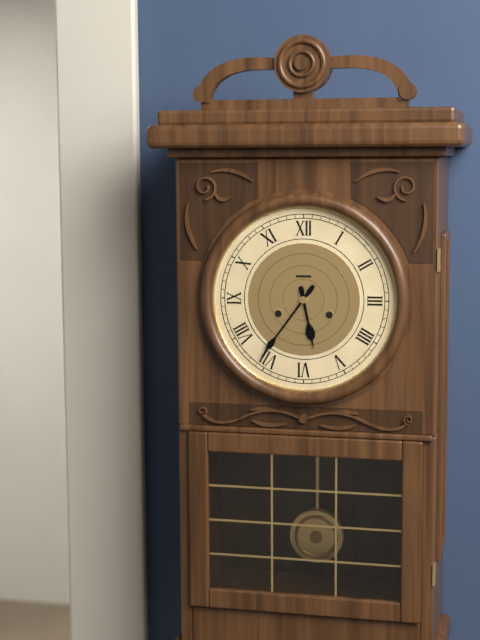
5,36
